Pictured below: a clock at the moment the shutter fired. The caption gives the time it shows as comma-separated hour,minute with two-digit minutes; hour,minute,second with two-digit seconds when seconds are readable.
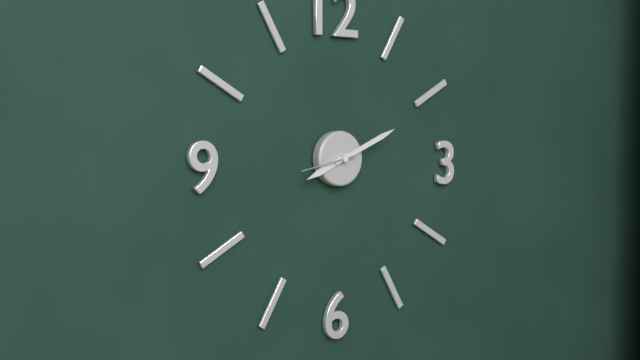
8,11,43
